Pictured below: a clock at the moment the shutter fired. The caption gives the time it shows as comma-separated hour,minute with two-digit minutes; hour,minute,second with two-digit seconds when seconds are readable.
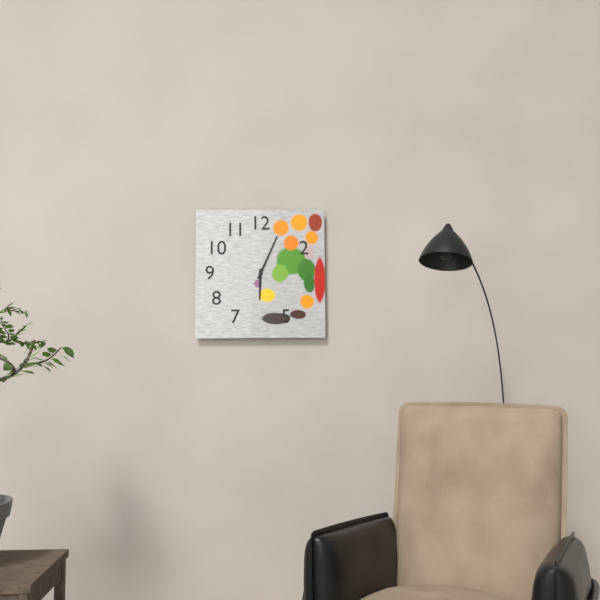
6,04
